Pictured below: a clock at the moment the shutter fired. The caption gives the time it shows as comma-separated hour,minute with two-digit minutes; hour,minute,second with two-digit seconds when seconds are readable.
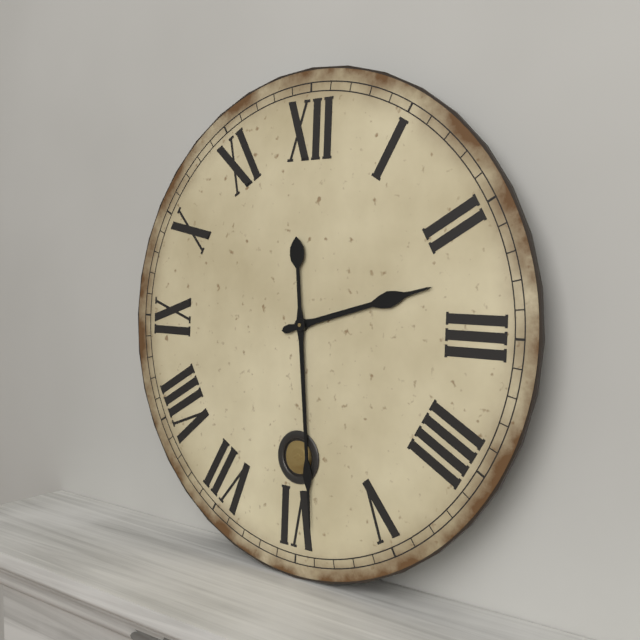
2,29
